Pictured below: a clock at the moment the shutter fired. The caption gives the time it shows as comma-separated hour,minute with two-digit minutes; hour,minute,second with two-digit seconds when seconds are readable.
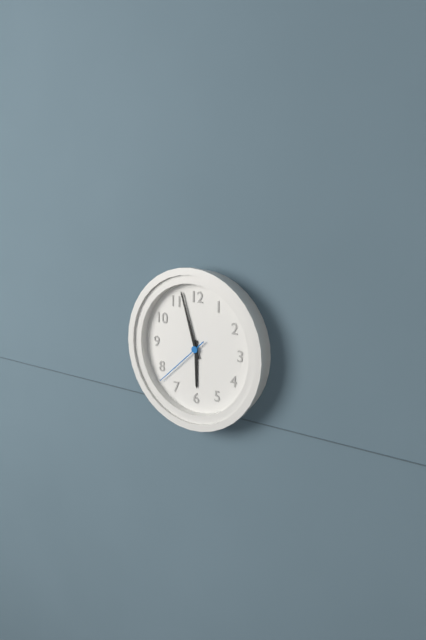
5,57,38
